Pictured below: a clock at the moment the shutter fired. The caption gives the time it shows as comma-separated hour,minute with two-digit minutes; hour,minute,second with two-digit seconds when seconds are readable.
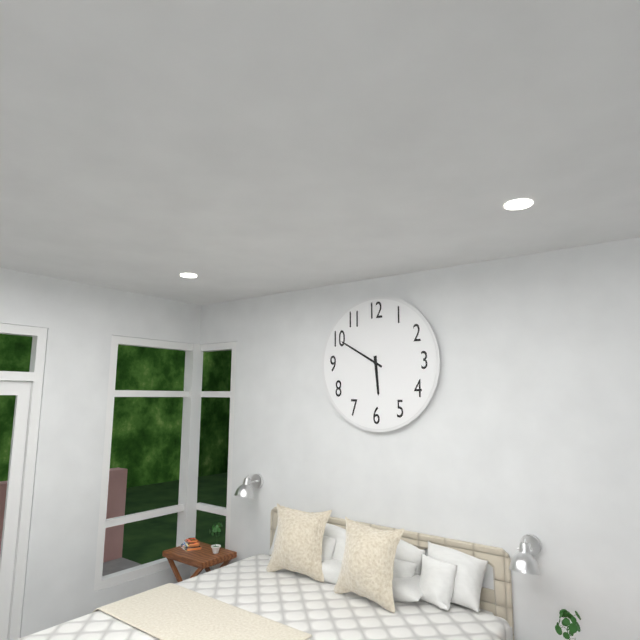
5,50
